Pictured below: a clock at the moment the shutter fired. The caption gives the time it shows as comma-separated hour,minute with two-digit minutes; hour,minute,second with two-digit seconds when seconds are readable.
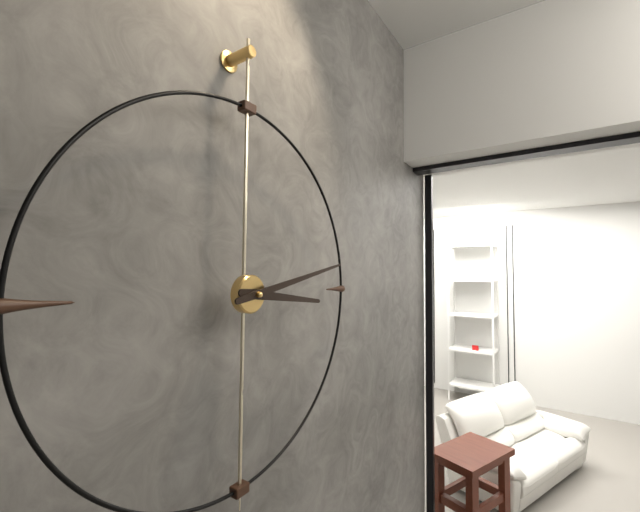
3,13
